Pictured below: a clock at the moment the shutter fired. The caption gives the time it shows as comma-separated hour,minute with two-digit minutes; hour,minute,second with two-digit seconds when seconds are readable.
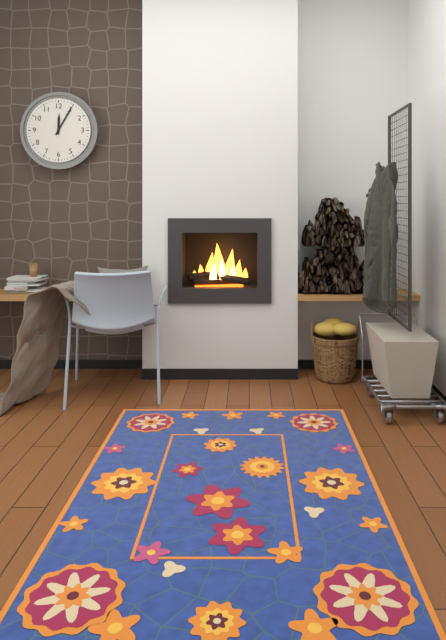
12,05
